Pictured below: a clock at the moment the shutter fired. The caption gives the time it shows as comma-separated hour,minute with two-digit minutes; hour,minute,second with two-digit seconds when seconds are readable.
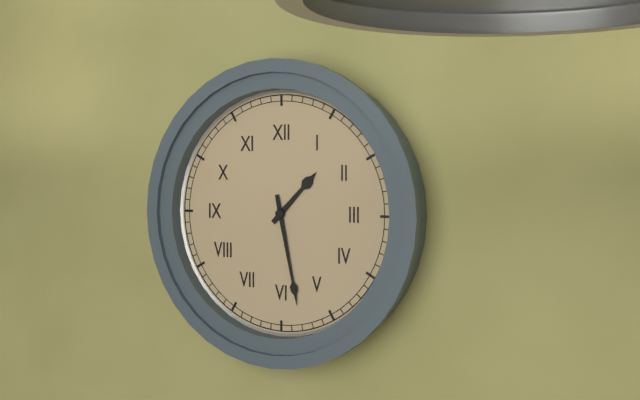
1,28
